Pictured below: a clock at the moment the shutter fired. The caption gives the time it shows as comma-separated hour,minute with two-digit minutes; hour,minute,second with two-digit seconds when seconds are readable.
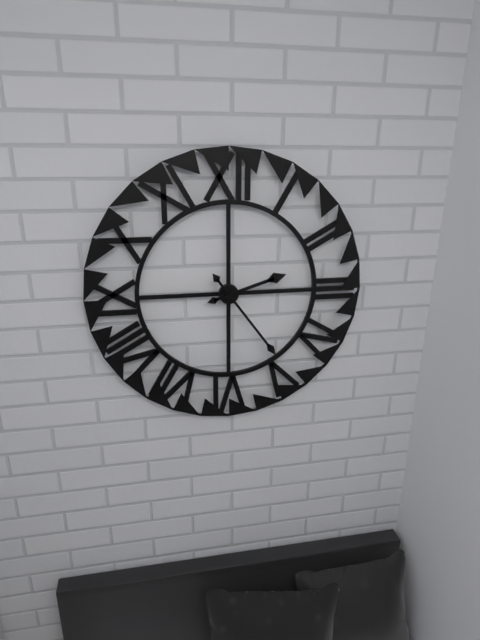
2,24
